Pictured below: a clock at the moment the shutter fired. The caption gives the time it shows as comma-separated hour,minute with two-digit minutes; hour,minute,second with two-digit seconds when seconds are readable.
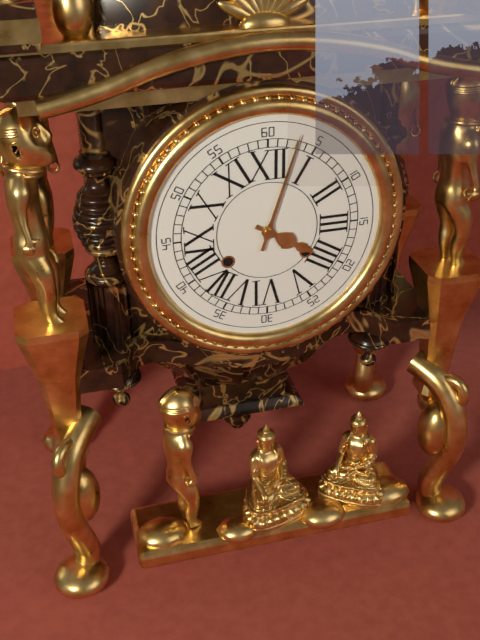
4,03
